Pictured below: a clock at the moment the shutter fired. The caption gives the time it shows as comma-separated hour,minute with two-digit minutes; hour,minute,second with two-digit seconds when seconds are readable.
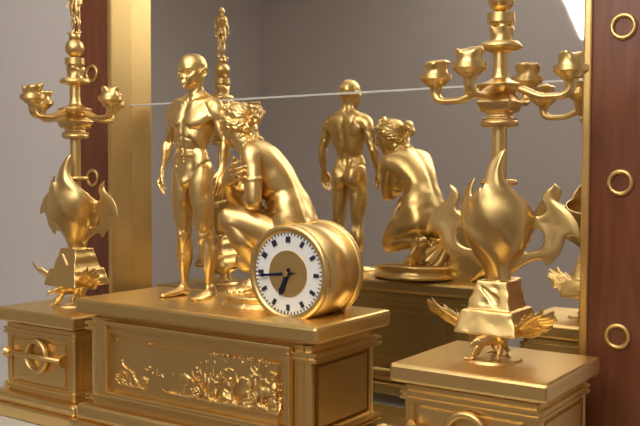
6,44
